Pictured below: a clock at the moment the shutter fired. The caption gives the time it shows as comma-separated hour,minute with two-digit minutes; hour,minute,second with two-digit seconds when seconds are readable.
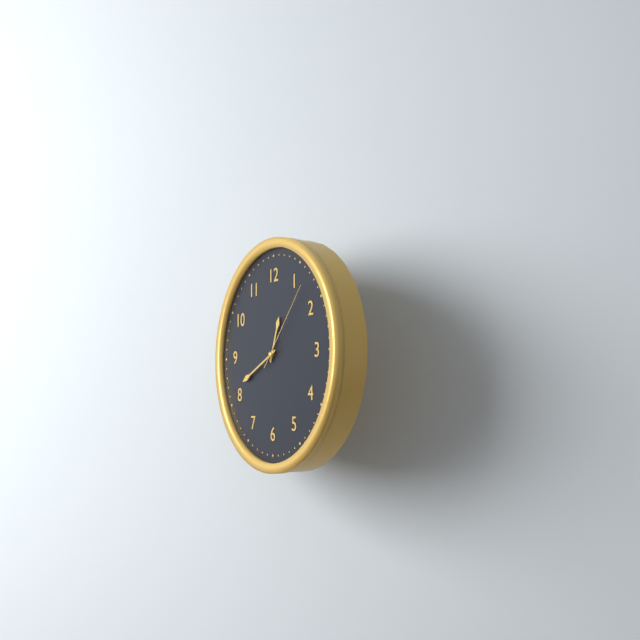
12,41,07
